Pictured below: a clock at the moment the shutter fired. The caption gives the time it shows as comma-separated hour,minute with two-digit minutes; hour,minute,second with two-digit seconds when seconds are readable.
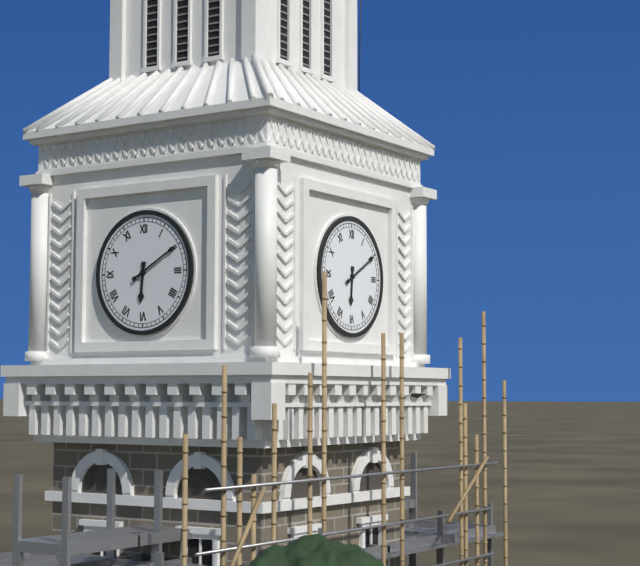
6,10
